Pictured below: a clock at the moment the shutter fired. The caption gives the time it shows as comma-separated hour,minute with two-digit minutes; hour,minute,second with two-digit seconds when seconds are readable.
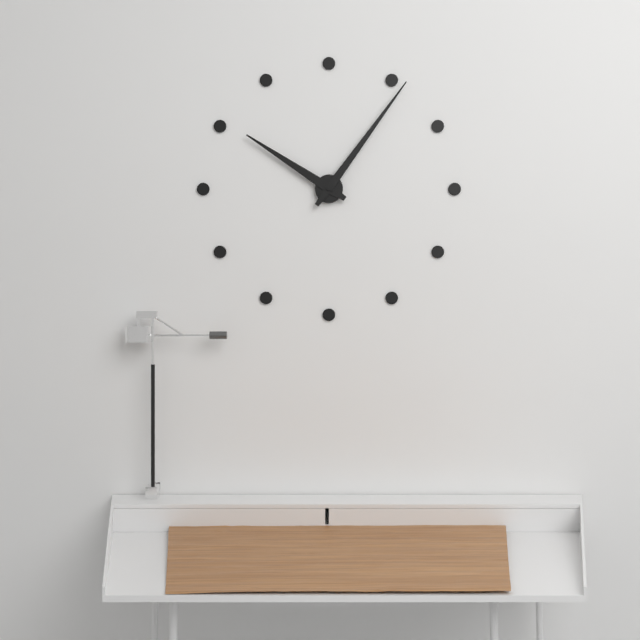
10,06
